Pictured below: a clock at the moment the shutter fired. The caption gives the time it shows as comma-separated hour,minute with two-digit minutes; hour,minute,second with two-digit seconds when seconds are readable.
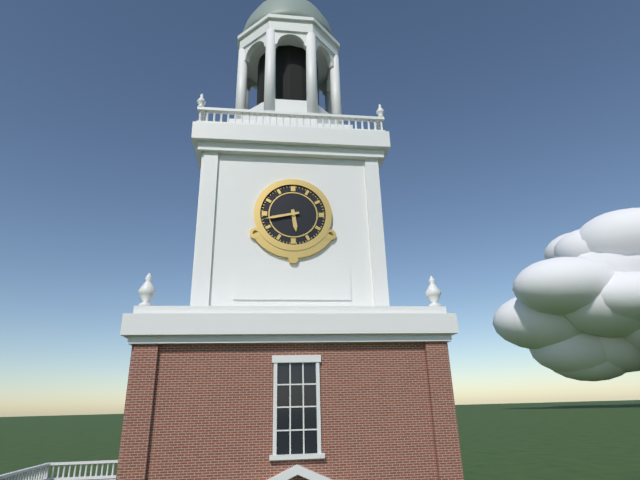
5,43
